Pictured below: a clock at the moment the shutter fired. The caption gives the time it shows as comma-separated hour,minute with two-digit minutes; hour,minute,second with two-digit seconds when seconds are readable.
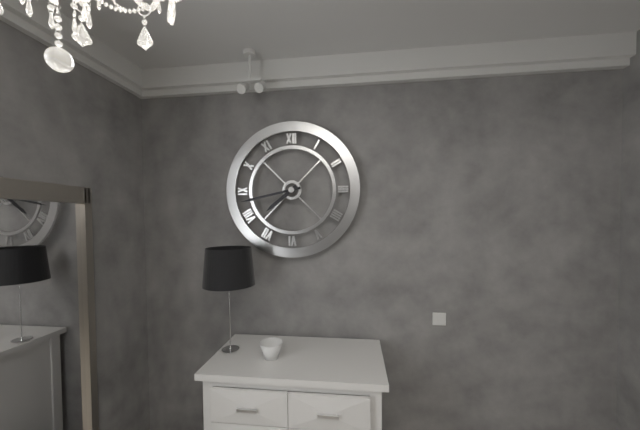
7,43
